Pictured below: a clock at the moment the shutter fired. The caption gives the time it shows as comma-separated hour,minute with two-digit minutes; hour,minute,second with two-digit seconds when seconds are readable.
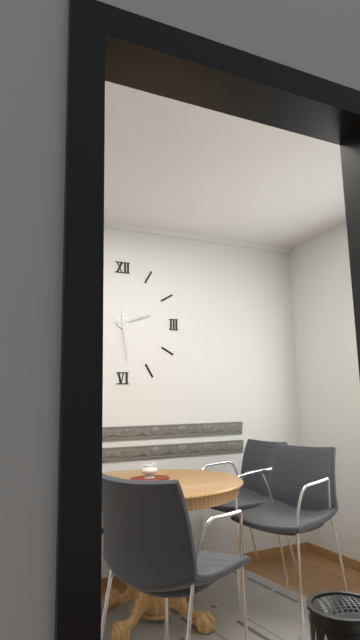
2,29
